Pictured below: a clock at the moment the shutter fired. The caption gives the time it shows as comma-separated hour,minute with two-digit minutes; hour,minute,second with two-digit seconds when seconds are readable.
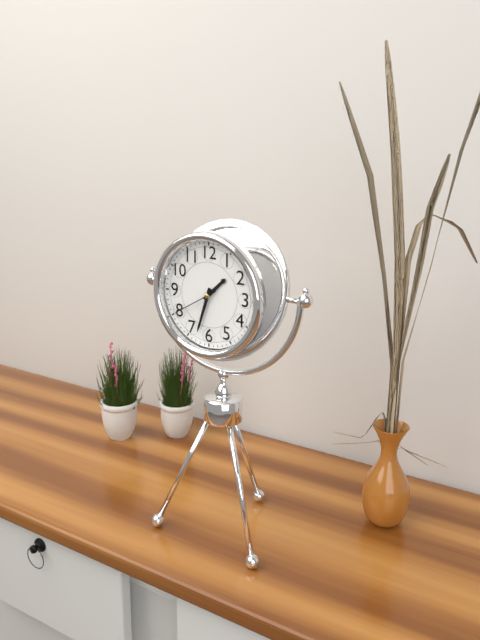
1,33
